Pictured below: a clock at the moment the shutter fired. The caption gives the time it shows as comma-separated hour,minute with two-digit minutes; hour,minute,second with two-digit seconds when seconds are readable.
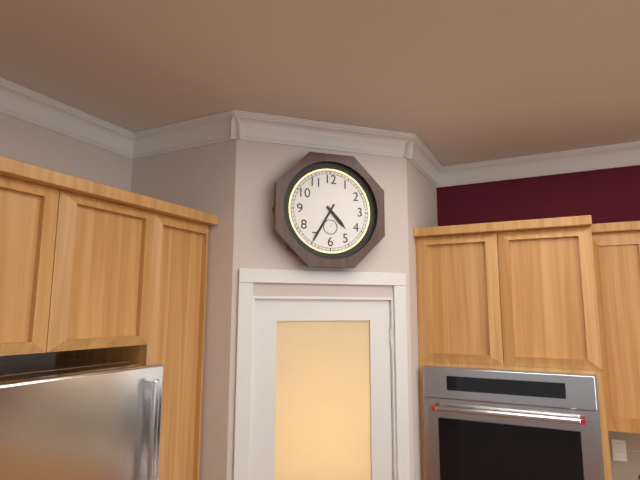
4,35
